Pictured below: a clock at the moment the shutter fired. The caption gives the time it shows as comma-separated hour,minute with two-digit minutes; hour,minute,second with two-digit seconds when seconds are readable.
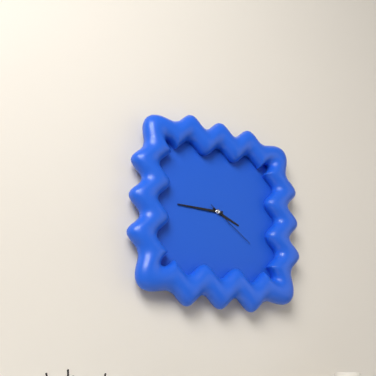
3,45,21
